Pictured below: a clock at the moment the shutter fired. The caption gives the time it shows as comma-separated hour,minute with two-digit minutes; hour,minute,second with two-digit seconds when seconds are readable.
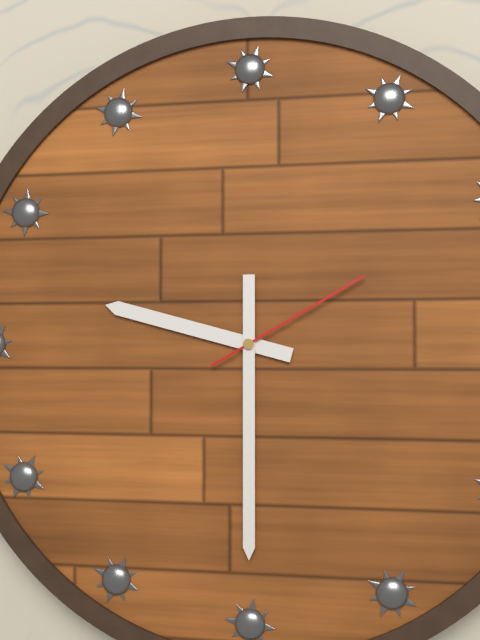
9,30,10
